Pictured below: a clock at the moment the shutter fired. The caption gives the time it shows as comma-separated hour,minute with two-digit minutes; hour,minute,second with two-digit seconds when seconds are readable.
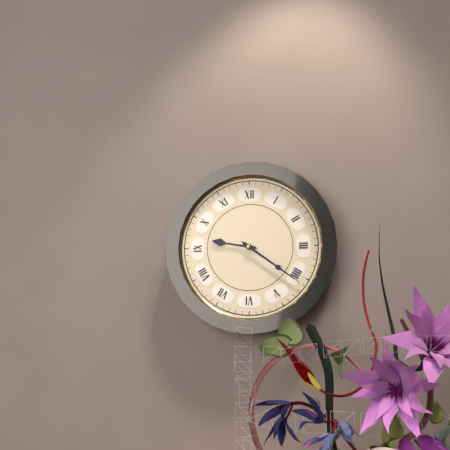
9,21
